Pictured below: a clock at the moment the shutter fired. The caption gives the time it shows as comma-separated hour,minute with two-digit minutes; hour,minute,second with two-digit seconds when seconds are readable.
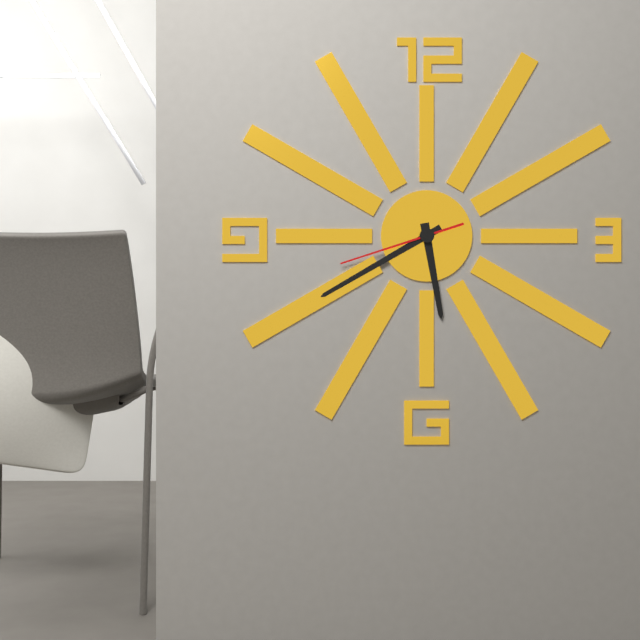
5,40,42
